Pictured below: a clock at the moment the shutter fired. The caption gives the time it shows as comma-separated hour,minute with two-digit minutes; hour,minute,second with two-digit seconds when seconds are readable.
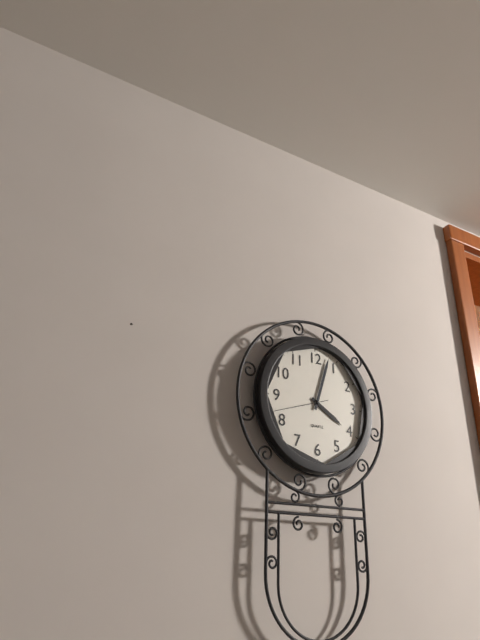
4,03,42
